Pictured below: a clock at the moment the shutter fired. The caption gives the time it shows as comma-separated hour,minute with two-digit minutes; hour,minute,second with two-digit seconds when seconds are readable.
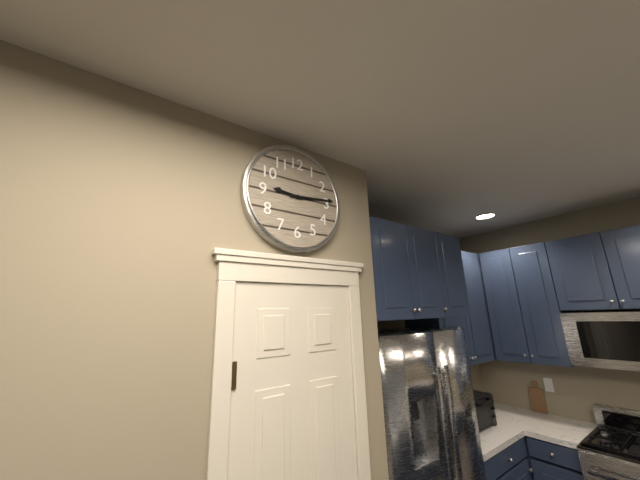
9,14
